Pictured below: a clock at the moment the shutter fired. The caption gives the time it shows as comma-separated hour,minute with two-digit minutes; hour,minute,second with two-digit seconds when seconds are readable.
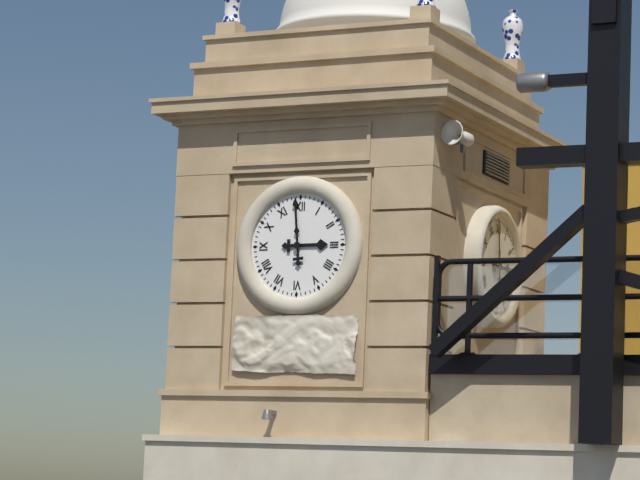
2,59
